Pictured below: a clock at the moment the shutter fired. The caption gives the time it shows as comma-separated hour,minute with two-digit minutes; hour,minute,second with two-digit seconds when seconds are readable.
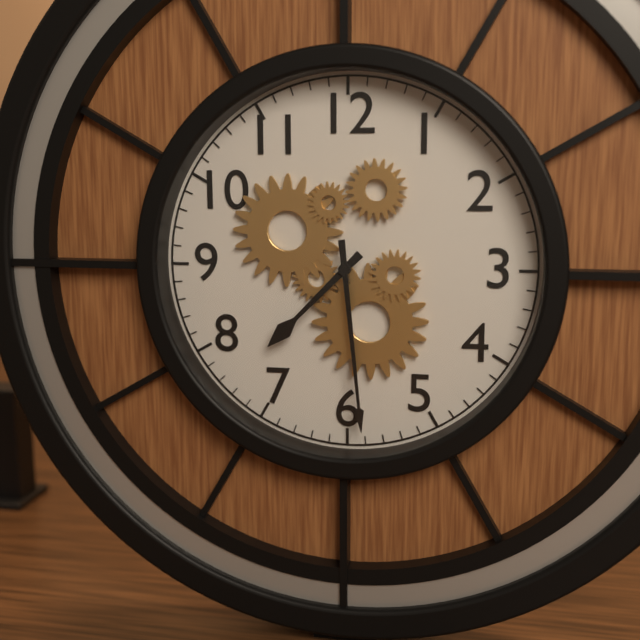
7,29
